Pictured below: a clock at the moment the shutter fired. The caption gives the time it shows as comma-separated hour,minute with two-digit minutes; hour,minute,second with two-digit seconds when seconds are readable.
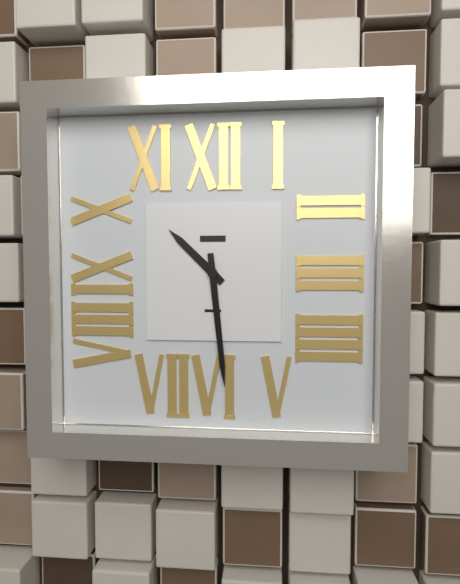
10,29
